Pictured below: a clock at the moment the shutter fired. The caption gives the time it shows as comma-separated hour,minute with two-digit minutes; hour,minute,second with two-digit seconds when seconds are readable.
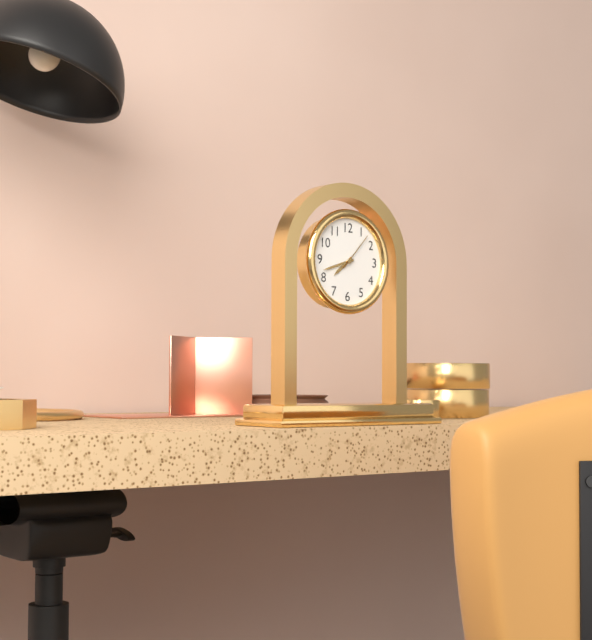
7,42
